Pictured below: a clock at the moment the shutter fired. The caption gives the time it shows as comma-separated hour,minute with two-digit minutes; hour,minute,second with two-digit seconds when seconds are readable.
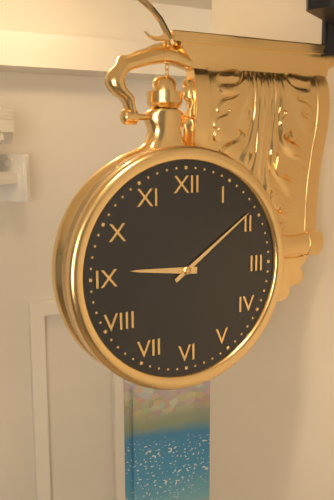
9,09
